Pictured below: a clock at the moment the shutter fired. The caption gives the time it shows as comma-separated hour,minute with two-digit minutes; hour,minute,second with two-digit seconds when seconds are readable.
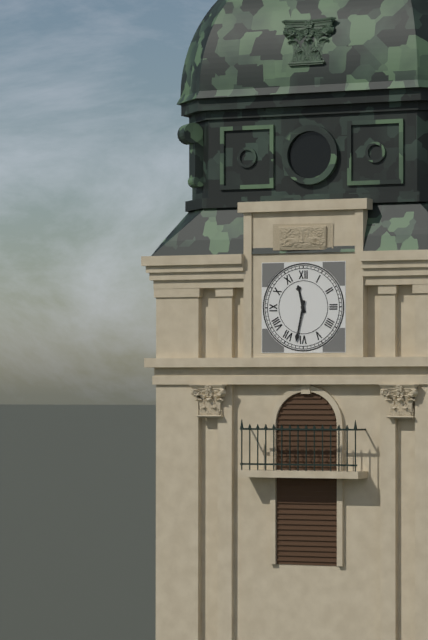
11,32
